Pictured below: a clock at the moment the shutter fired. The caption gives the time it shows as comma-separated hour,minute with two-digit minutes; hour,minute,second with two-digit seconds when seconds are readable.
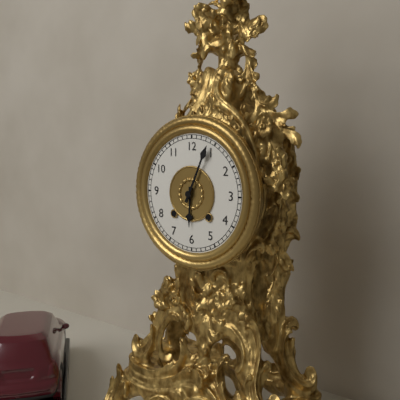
6,04
